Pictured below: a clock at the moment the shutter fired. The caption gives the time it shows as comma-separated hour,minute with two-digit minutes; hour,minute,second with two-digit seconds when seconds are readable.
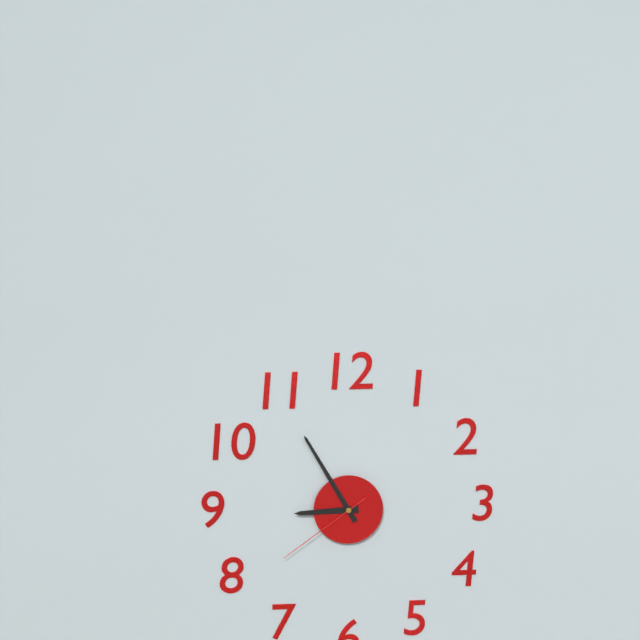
8,55,39
